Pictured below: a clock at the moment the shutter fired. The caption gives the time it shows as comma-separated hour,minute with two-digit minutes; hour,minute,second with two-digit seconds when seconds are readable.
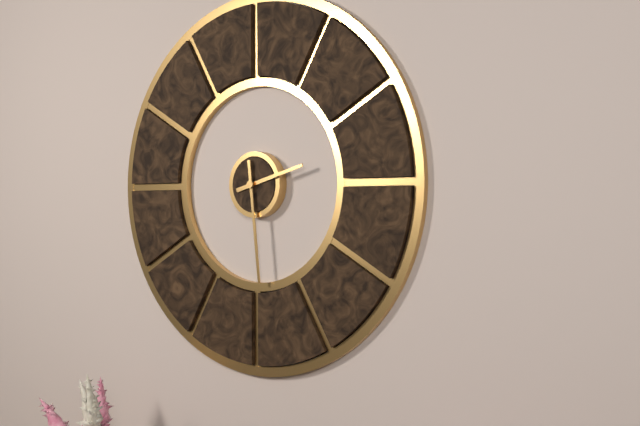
2,29
